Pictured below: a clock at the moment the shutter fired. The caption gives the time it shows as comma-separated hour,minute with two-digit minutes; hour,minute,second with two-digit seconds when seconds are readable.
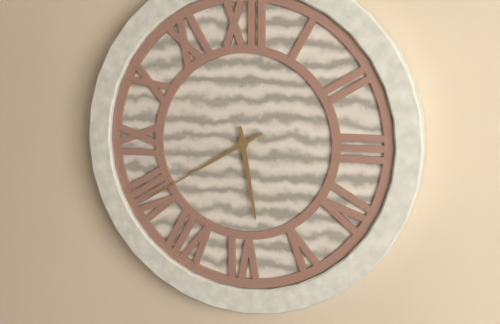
5,40
